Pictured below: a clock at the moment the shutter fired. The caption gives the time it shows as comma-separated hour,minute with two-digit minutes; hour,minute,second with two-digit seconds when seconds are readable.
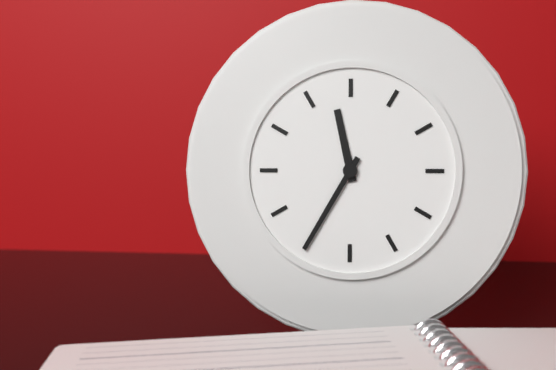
11,35
